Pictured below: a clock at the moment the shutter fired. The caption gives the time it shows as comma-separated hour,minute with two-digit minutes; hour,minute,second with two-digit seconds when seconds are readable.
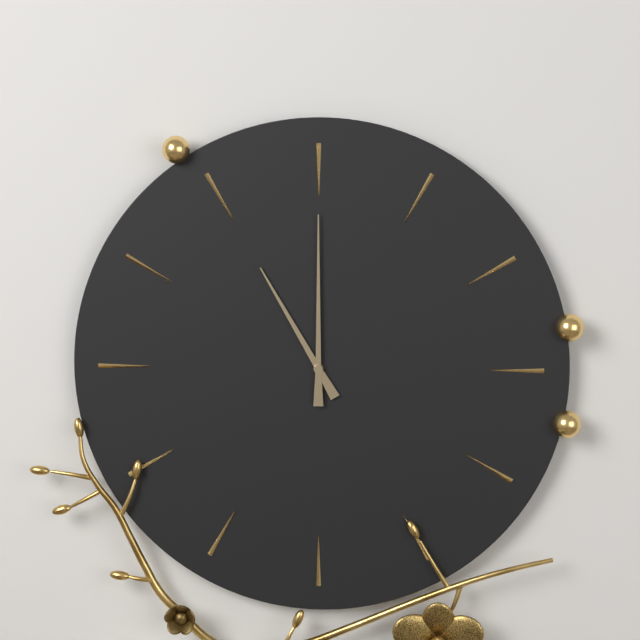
11,00
